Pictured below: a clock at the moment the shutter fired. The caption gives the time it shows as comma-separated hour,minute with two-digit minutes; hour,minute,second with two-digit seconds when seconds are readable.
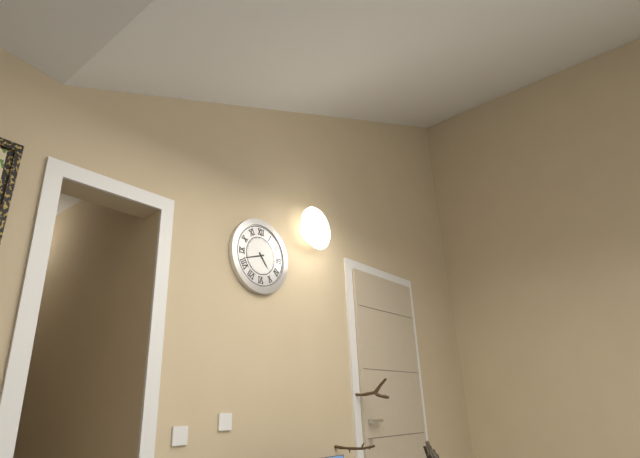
4,42
